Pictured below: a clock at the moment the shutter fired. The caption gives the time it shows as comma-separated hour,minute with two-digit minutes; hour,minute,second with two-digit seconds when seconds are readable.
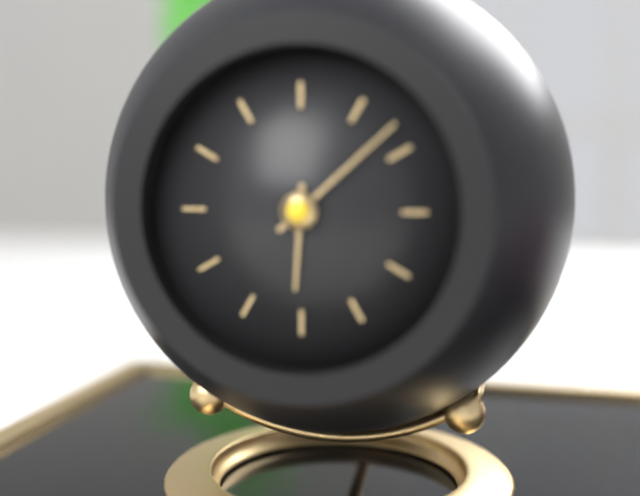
6,08
